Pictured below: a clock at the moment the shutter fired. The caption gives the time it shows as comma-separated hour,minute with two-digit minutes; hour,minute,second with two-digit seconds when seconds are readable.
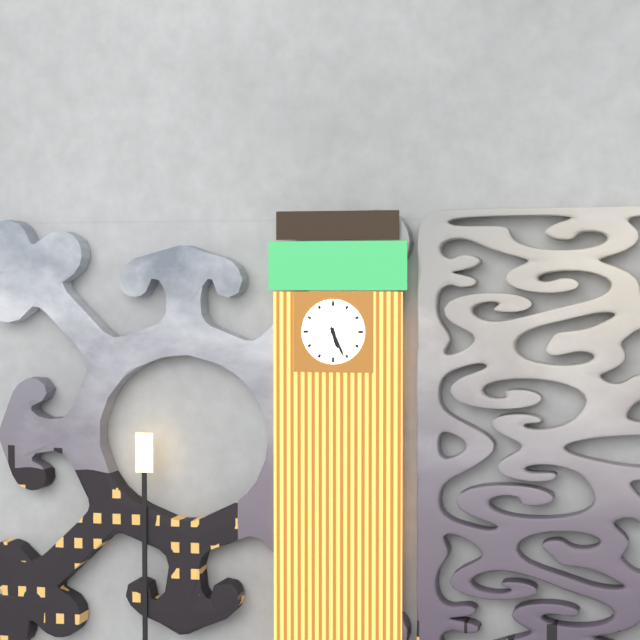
5,26
